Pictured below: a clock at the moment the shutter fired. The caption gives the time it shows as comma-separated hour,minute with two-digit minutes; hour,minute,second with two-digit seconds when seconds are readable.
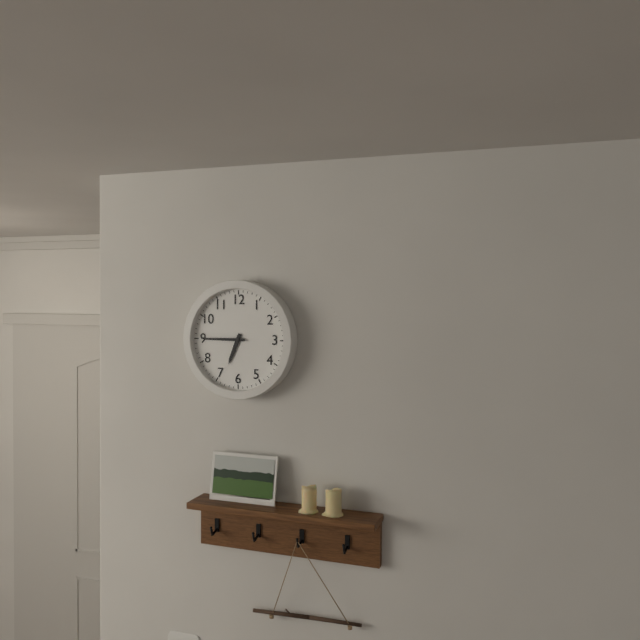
6,45
